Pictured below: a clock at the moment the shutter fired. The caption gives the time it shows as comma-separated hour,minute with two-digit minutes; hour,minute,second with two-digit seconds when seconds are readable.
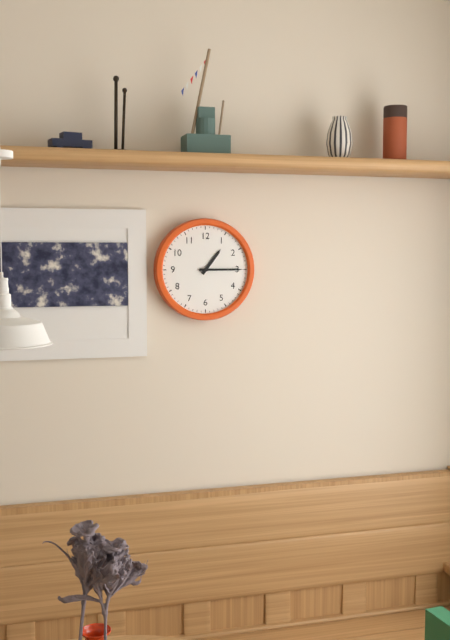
1,15
